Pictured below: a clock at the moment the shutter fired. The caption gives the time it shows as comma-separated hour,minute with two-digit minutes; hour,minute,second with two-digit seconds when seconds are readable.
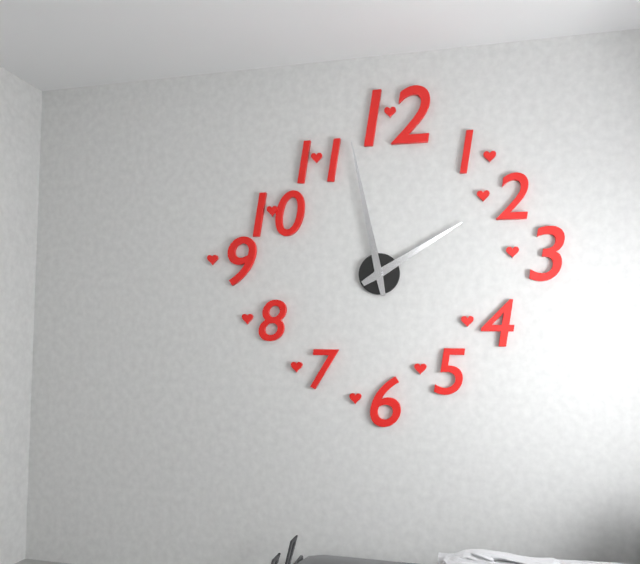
1,58
